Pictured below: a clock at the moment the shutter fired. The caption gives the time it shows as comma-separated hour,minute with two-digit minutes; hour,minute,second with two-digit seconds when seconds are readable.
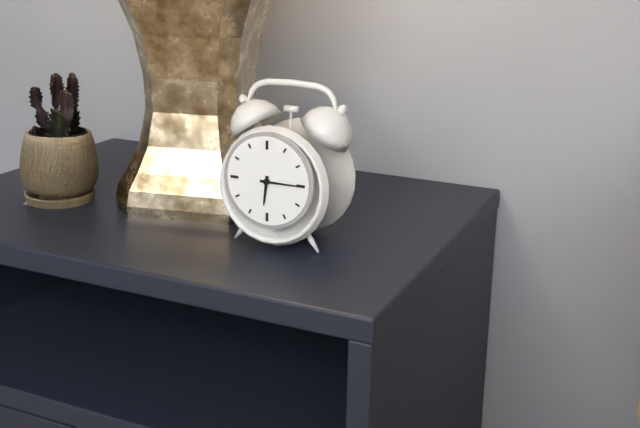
6,15
